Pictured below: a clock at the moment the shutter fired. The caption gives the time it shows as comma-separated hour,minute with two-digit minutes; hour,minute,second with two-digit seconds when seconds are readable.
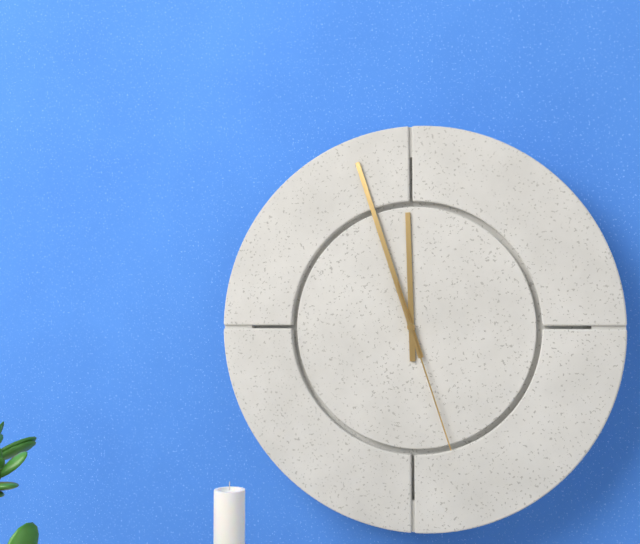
11,57,27
